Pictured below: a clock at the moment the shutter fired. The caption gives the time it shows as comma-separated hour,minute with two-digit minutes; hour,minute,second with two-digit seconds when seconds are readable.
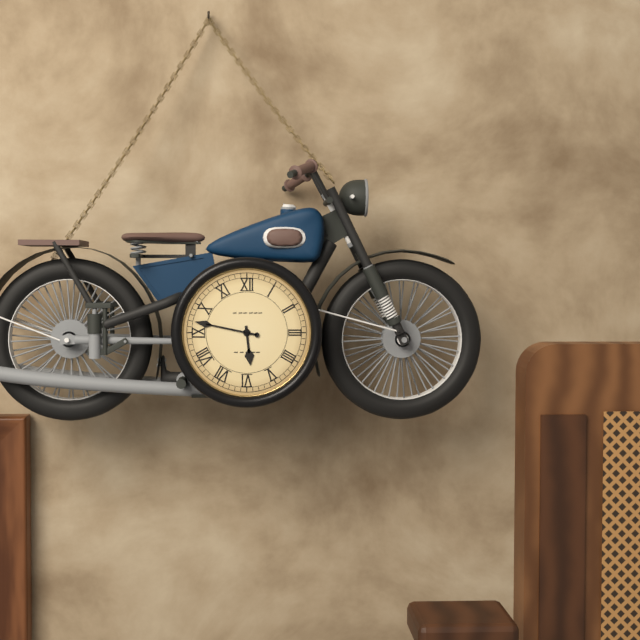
5,47
